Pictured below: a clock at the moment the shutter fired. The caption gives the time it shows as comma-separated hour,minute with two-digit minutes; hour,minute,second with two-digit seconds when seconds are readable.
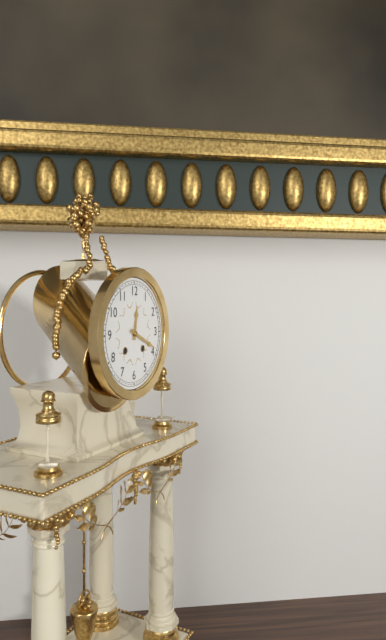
12,19
